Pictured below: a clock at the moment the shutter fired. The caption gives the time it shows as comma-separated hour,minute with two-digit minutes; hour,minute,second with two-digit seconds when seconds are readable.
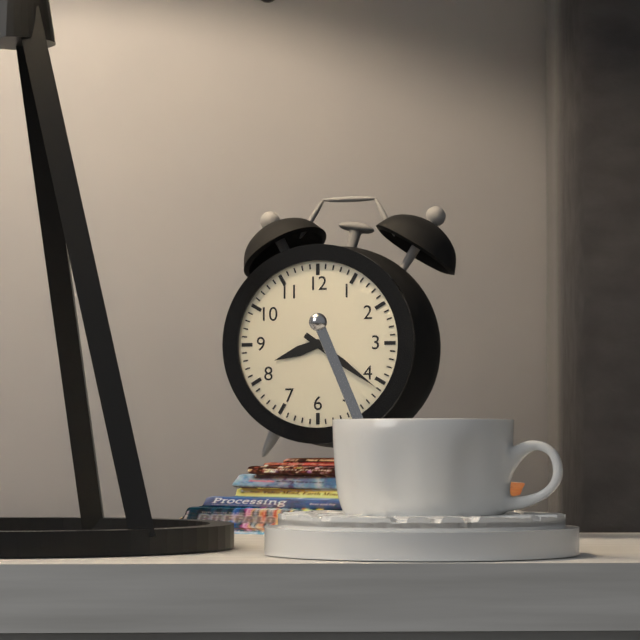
8,21
